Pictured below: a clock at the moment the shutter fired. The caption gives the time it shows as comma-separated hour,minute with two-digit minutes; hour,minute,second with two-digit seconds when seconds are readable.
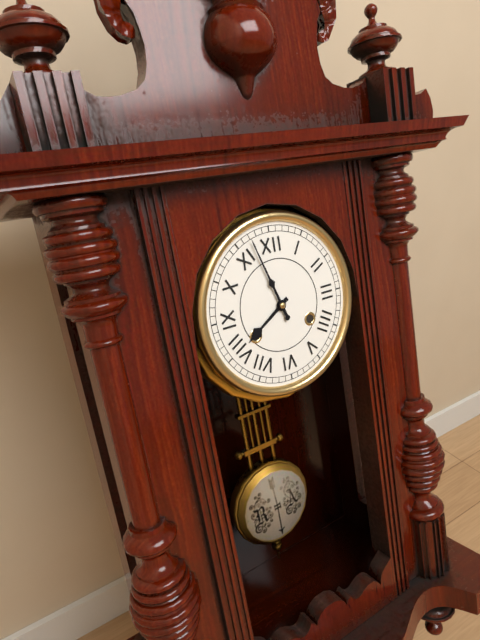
7,57
